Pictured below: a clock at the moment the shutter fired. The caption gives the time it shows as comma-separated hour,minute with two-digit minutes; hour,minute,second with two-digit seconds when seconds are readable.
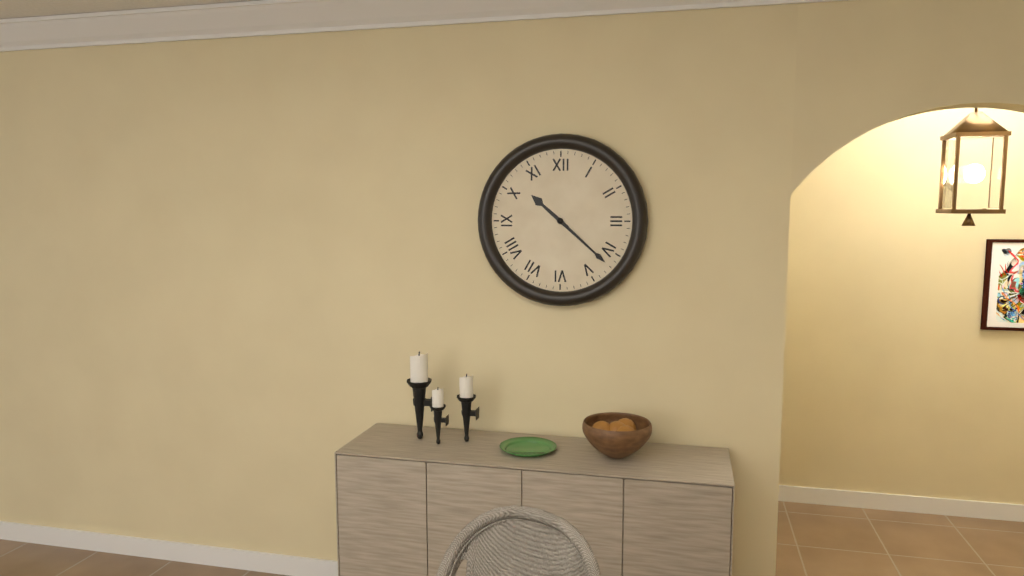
10,22
